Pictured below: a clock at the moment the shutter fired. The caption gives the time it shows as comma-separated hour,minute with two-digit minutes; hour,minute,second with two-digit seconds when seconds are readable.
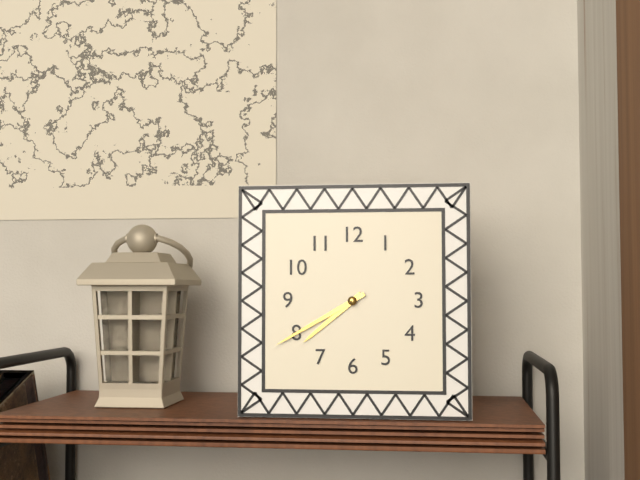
7,40
